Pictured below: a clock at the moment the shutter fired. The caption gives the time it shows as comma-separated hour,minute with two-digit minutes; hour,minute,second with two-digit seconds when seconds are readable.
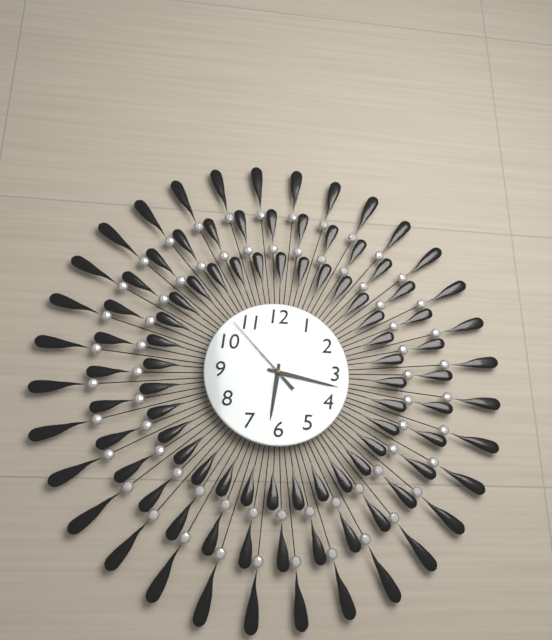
6,17,53
